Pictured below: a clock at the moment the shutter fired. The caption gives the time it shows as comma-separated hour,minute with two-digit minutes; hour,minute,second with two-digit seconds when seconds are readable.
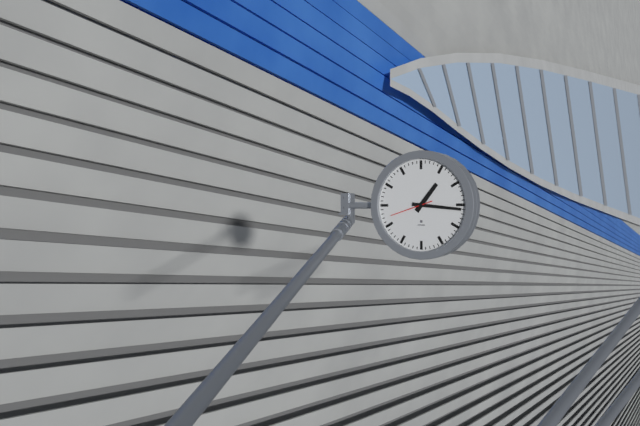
1,16
